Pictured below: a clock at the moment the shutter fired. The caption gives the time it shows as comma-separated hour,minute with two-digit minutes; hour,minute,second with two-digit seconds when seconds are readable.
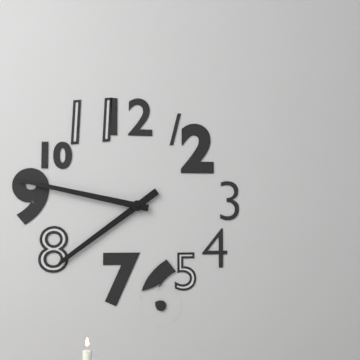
7,47
